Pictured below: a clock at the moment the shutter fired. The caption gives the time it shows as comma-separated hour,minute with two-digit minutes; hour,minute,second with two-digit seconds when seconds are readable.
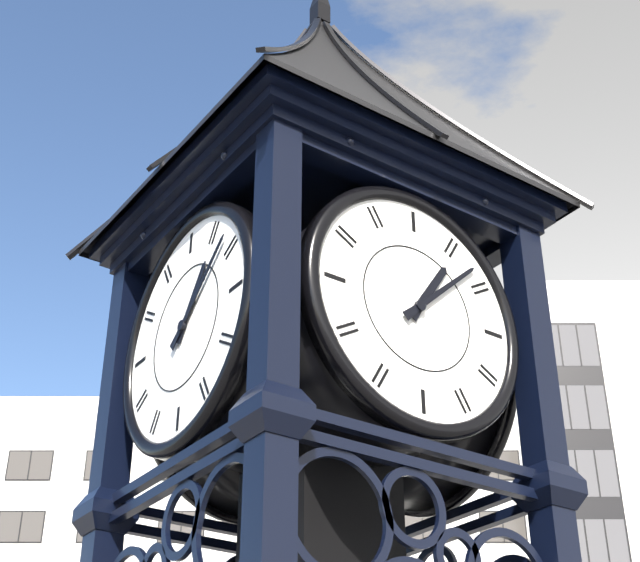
1,08
